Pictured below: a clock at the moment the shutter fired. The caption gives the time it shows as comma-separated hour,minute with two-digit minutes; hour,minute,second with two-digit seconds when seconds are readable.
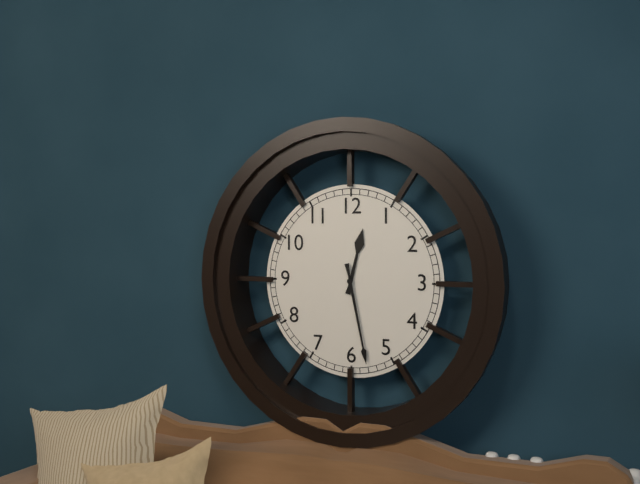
12,28
